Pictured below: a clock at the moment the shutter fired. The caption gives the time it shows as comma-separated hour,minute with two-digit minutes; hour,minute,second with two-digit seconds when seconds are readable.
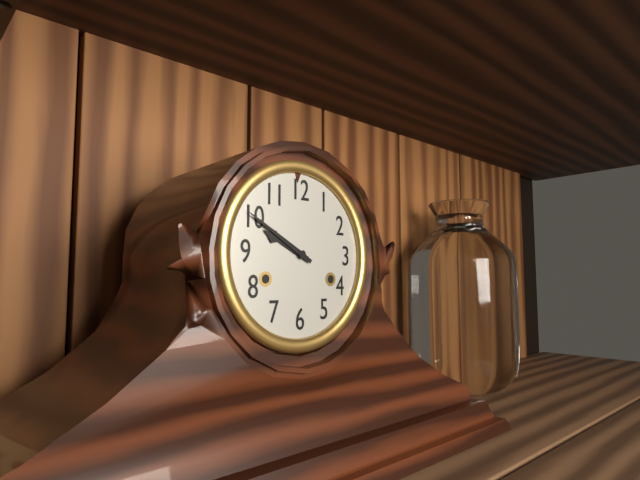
9,50
